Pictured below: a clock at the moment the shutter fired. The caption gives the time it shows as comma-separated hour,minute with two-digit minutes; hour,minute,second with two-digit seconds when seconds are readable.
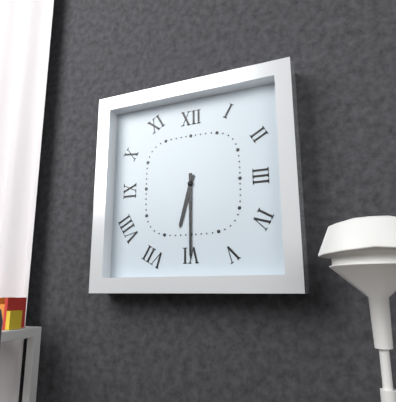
6,30
